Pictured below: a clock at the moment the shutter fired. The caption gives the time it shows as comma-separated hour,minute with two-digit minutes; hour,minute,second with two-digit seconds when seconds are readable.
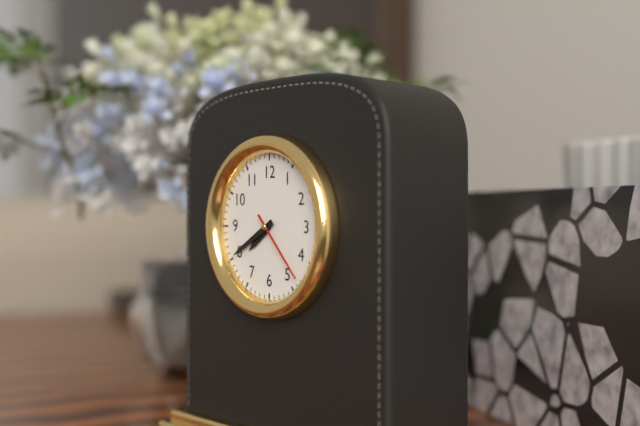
7,40,23
